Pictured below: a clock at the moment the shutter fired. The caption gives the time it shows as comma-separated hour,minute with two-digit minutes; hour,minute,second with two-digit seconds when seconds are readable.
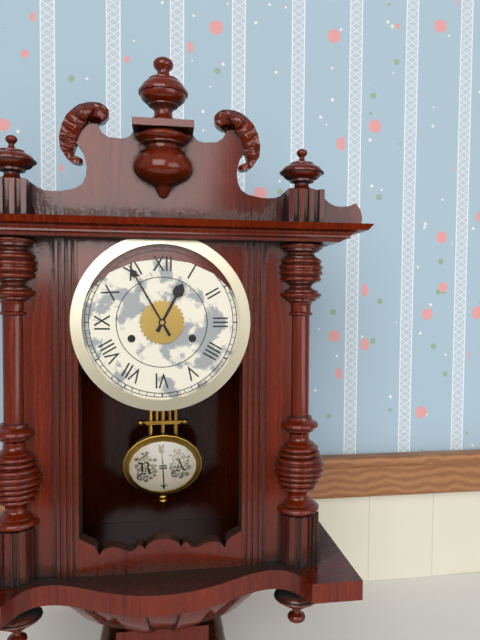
12,55
